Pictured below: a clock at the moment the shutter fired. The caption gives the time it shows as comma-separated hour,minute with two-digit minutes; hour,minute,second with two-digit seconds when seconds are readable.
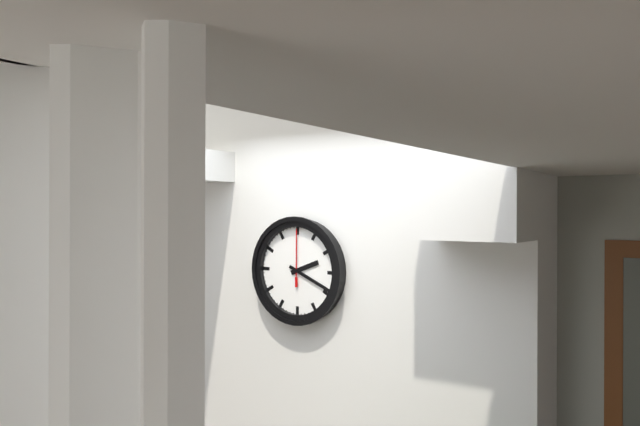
2,19,00
